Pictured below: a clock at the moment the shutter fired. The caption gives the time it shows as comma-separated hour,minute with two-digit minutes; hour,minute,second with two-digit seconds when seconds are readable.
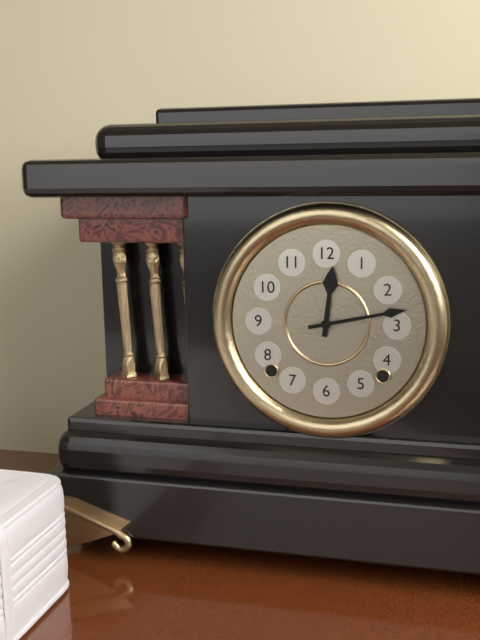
12,13
